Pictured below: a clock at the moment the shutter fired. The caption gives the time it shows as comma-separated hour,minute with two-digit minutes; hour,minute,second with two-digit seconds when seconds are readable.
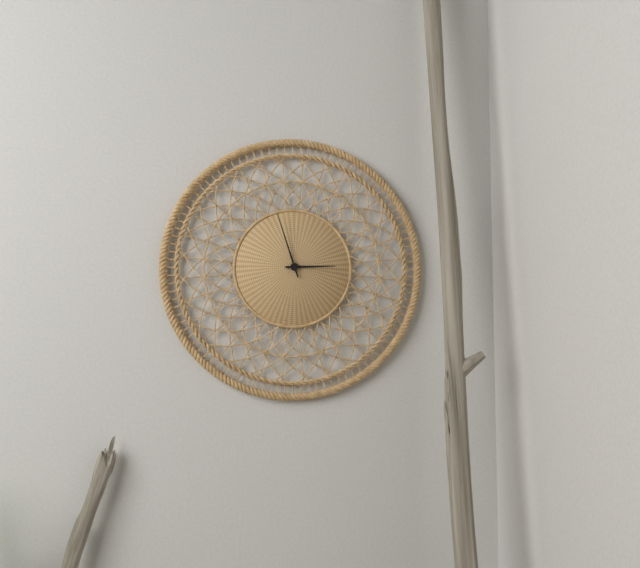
2,57
